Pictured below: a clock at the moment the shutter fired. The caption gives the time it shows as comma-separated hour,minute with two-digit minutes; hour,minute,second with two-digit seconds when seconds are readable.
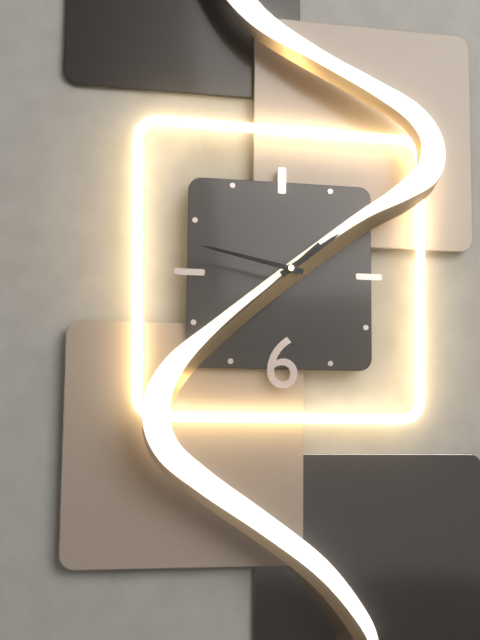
1,47,38
